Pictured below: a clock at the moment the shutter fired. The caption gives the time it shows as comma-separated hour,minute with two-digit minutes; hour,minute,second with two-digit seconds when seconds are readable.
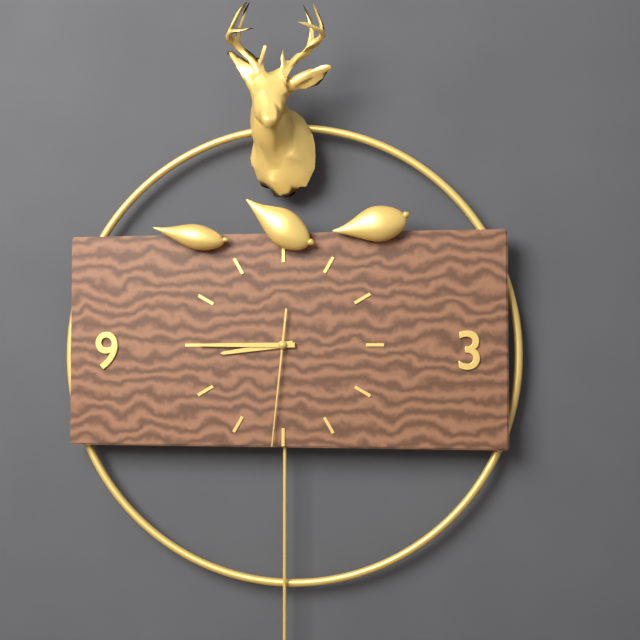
8,45,31
